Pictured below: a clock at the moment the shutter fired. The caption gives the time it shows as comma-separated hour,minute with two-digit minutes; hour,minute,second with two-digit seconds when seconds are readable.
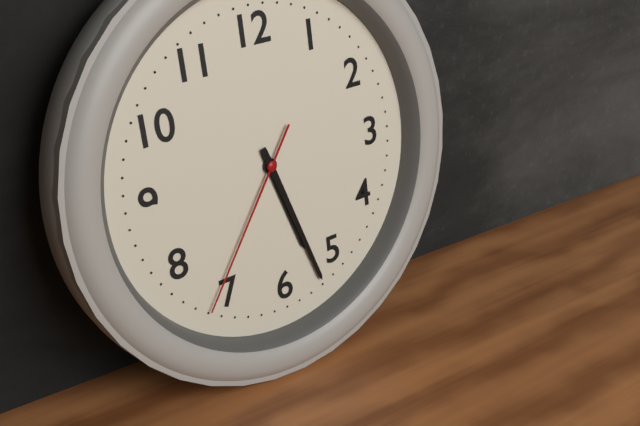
5,27,36
